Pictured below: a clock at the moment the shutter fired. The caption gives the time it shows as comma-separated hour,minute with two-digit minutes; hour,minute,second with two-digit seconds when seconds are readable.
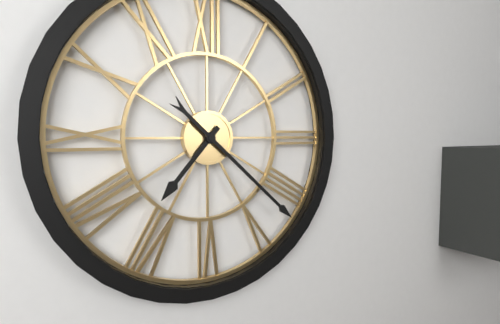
7,22
